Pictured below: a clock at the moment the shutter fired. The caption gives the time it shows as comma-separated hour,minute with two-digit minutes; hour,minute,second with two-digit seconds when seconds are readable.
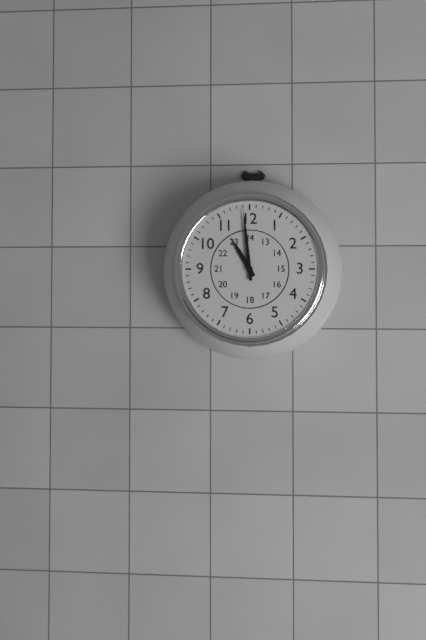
10,59
